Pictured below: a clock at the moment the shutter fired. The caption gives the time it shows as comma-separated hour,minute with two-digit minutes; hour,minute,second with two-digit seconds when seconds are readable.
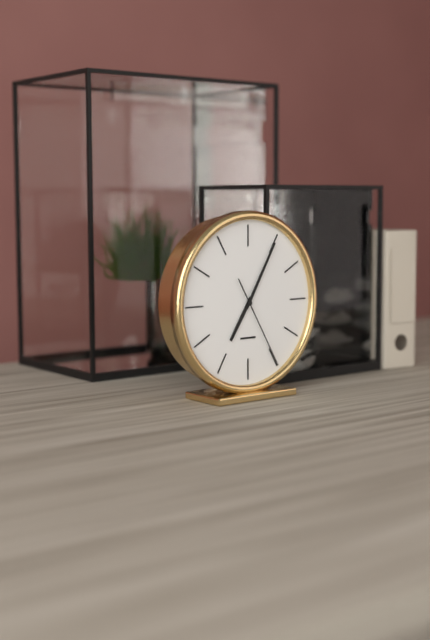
7,05,25
